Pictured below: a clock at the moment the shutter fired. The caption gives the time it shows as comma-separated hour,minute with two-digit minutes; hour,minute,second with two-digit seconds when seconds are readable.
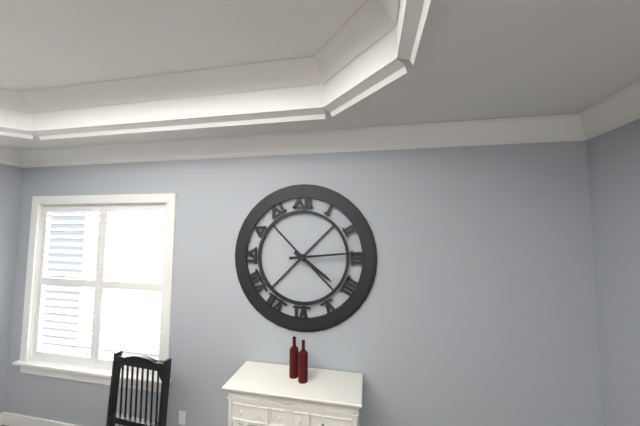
4,14
